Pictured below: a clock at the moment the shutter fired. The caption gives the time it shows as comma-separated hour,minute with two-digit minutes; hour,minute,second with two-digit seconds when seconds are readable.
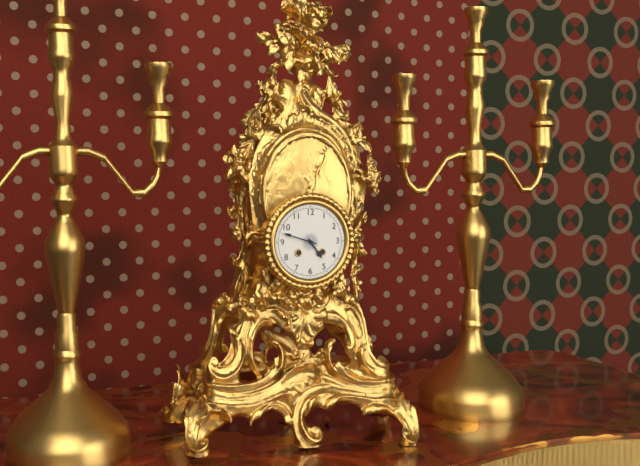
4,48
